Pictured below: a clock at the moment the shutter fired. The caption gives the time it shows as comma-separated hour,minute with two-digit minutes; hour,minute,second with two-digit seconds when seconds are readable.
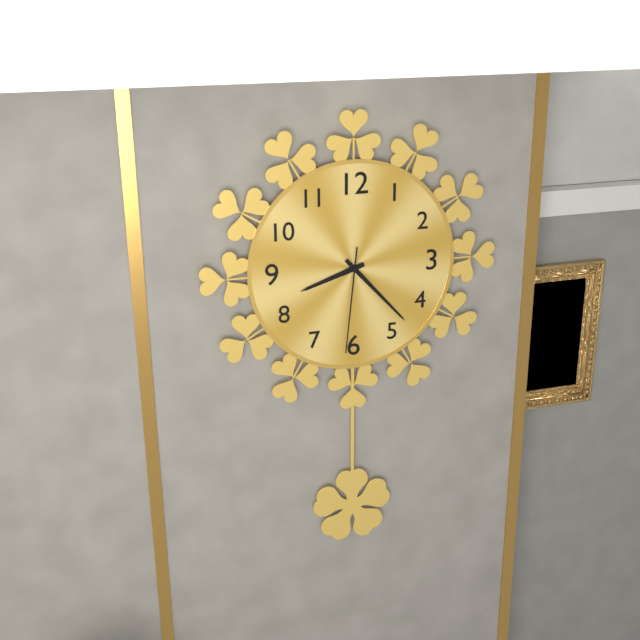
8,23,31
